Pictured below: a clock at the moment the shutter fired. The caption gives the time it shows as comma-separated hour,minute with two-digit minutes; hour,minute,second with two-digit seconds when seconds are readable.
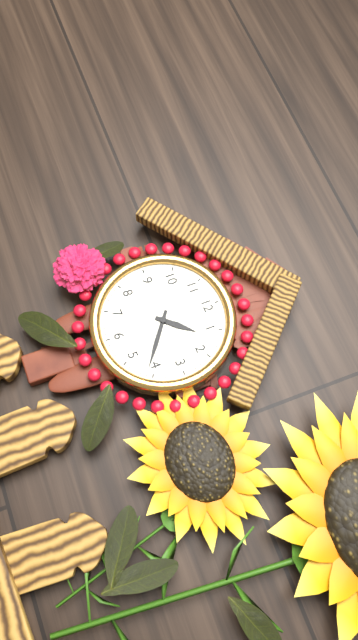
1,21
